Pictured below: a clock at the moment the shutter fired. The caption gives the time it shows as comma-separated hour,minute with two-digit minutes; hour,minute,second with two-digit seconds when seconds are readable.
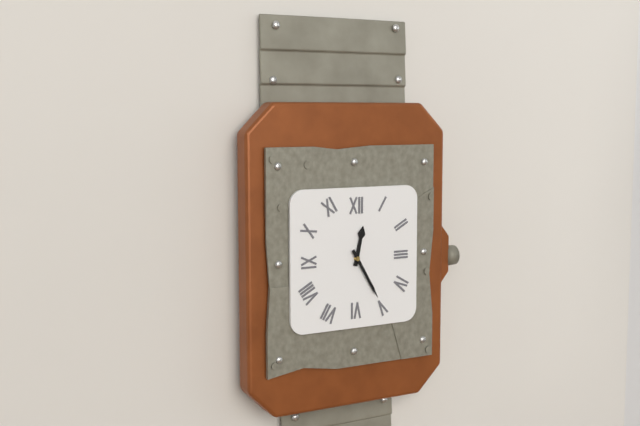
12,25
